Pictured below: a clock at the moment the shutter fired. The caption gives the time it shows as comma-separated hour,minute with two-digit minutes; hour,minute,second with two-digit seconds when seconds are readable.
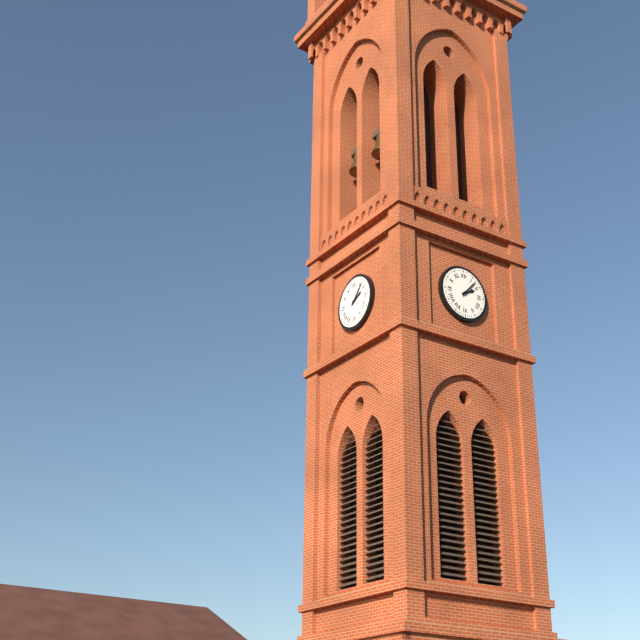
2,07
